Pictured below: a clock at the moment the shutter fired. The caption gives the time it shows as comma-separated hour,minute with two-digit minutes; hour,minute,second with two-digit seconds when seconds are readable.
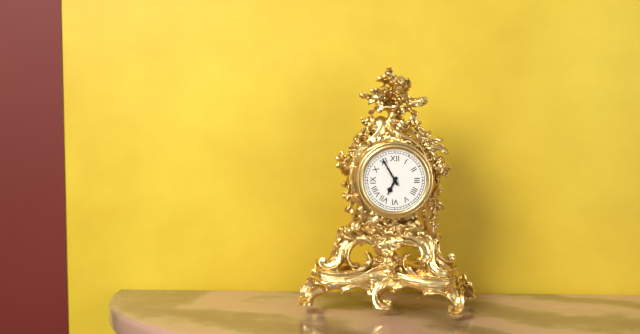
6,55
